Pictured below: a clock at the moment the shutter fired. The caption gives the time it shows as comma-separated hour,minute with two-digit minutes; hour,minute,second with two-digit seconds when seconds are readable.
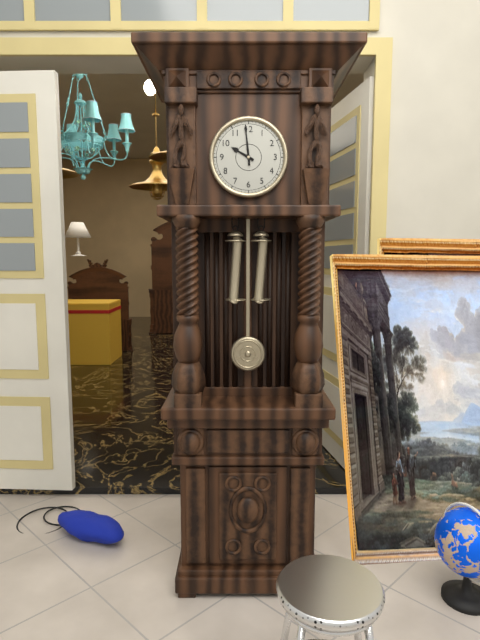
9,59
